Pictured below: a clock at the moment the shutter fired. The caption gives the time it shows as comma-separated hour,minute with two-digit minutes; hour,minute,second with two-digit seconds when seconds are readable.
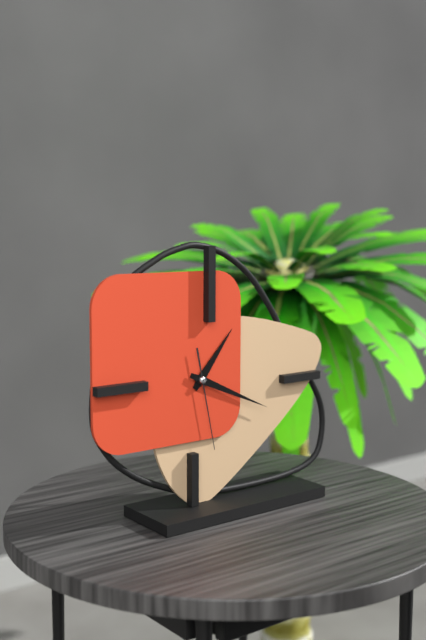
1,19,28
